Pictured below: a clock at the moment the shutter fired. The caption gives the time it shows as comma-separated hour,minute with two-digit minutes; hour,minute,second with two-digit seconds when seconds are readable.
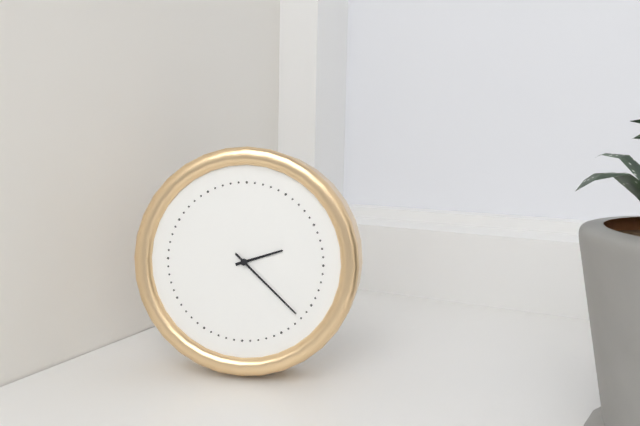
2,22
